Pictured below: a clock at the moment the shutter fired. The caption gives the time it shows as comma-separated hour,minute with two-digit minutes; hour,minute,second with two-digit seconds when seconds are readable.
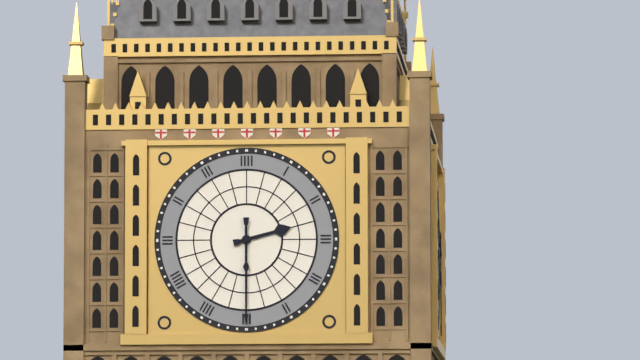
2,30
